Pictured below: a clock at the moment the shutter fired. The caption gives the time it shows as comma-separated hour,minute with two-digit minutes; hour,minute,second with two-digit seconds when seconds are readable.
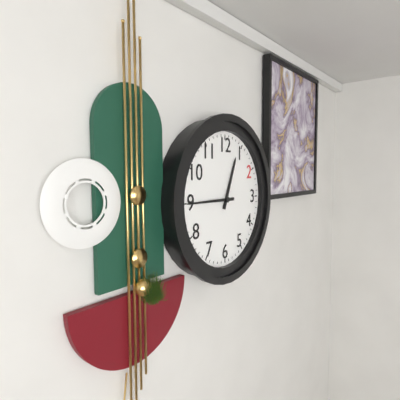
12,45
